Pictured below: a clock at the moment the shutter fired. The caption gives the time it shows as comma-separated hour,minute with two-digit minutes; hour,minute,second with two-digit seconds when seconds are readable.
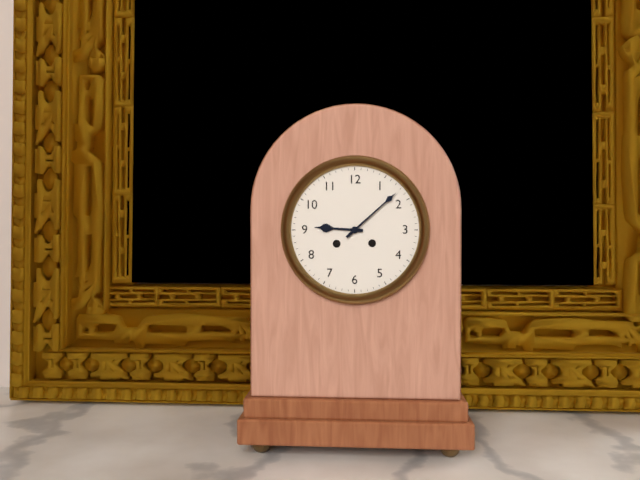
9,08
